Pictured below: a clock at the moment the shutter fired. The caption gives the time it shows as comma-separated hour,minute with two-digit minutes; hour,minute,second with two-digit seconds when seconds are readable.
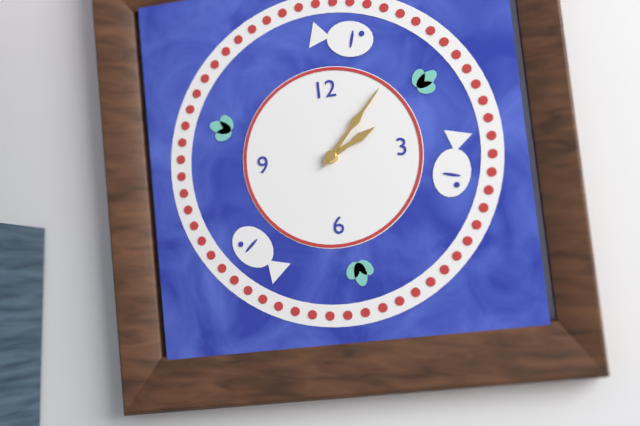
2,07
